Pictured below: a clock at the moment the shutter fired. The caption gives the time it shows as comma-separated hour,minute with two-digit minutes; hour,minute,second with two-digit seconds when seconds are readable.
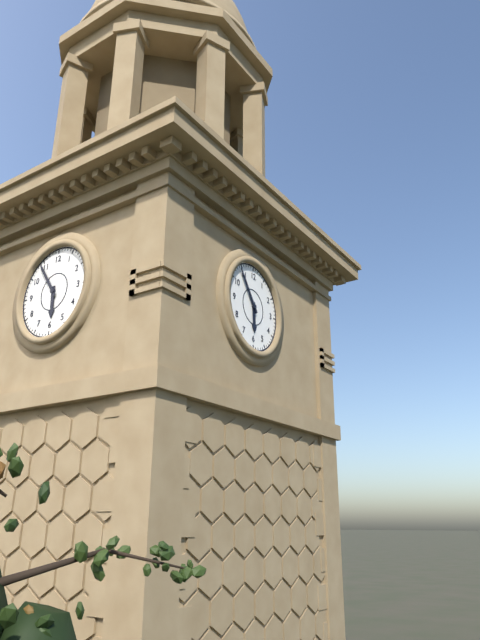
5,54
